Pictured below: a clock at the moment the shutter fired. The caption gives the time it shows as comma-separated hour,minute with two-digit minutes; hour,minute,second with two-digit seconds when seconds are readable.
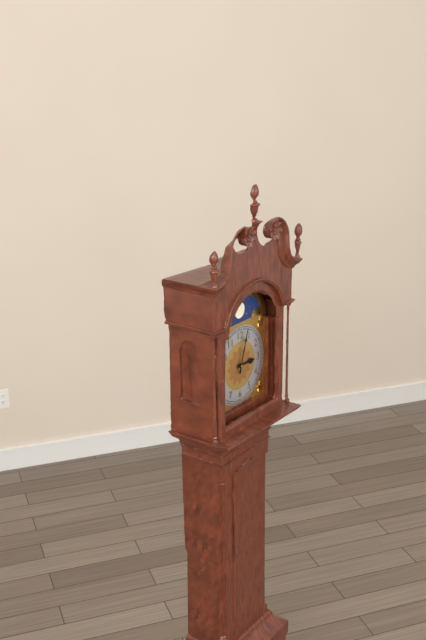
3,03
